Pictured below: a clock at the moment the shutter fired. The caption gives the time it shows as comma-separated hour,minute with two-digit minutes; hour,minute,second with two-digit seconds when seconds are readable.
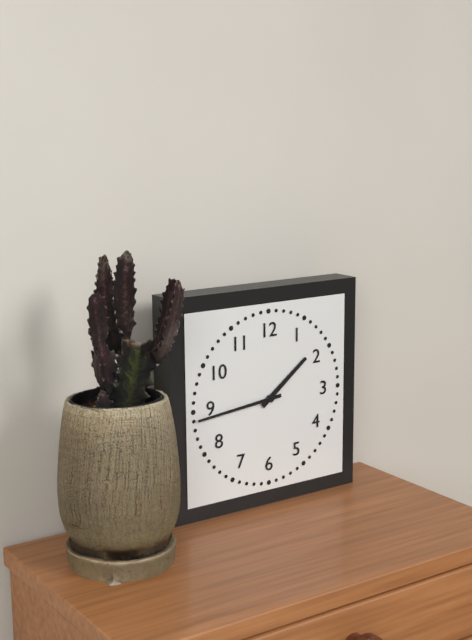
1,44
